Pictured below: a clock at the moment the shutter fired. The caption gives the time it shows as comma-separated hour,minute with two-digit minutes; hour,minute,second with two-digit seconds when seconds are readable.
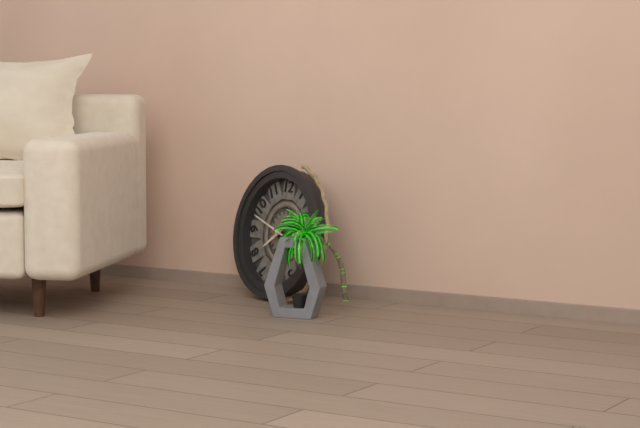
7,48
